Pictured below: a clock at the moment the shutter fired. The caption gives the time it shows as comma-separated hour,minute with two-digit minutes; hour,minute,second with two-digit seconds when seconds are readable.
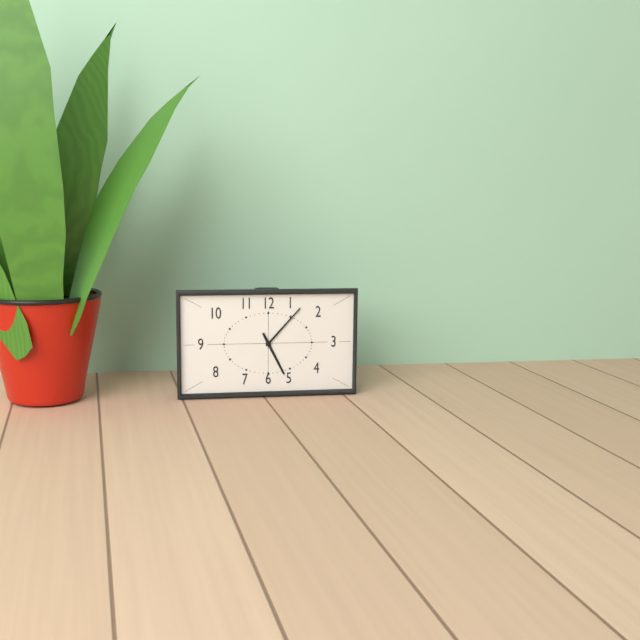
5,07
